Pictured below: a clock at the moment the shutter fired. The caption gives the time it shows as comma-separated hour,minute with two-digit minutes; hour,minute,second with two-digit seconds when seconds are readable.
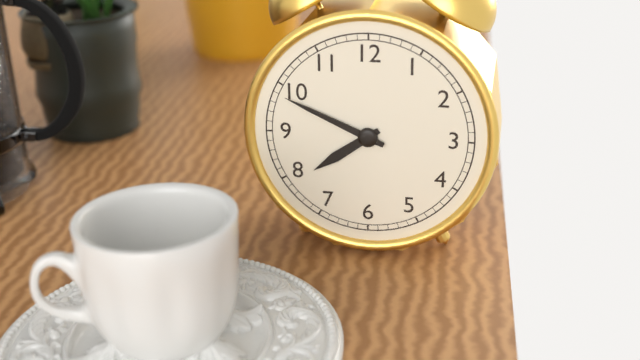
7,49
